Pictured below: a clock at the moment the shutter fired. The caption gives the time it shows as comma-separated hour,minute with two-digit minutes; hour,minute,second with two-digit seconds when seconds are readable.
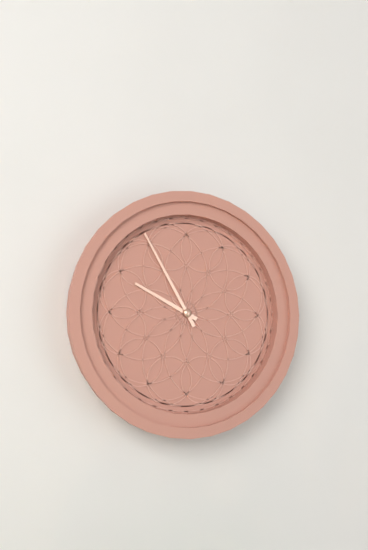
9,55
